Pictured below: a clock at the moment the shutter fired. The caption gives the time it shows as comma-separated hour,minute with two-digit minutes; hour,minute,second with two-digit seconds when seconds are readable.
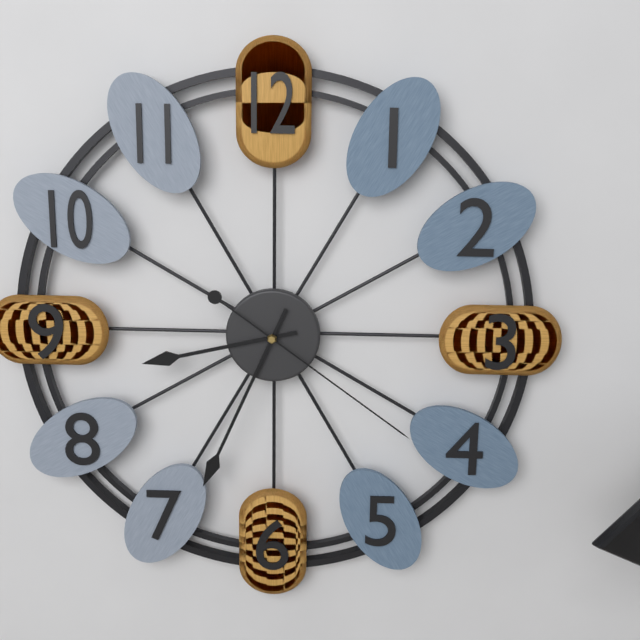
8,34,21
